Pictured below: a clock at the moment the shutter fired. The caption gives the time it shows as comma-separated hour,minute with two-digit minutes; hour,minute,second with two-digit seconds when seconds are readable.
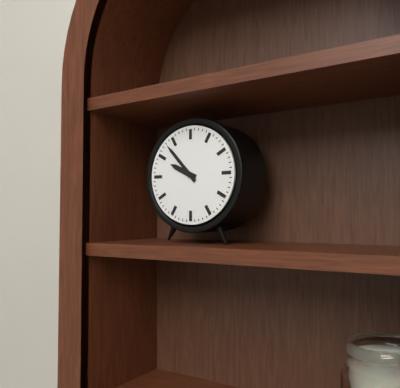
9,53
